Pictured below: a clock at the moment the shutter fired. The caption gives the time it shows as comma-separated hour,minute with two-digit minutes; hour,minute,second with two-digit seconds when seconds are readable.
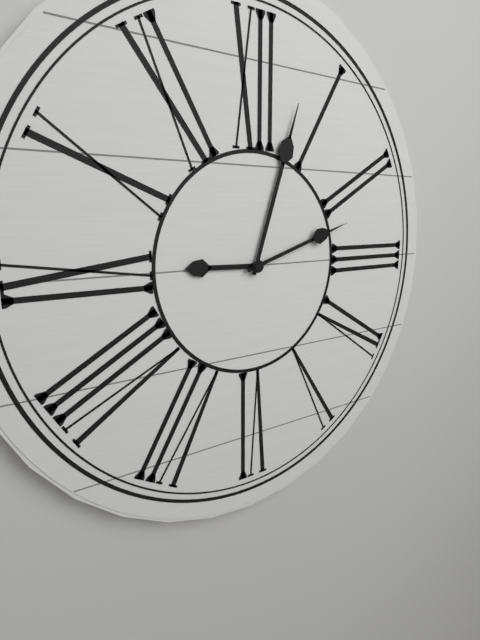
9,03,12
